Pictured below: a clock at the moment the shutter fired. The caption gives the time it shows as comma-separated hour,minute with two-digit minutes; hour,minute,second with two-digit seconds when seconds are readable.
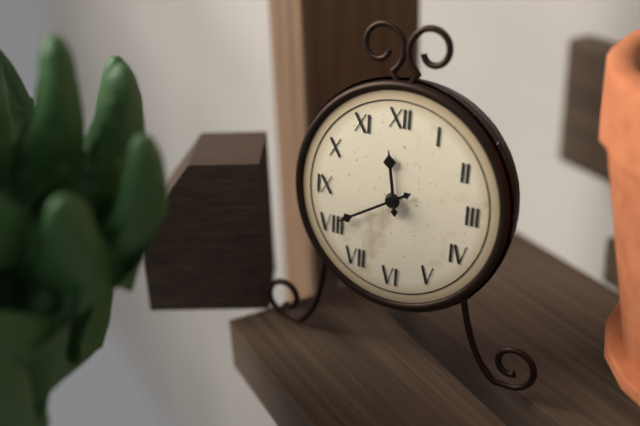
11,40
